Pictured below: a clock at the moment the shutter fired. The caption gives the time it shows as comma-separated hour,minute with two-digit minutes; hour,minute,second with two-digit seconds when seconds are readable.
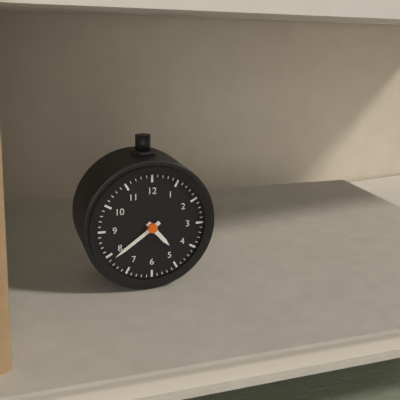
4,39
